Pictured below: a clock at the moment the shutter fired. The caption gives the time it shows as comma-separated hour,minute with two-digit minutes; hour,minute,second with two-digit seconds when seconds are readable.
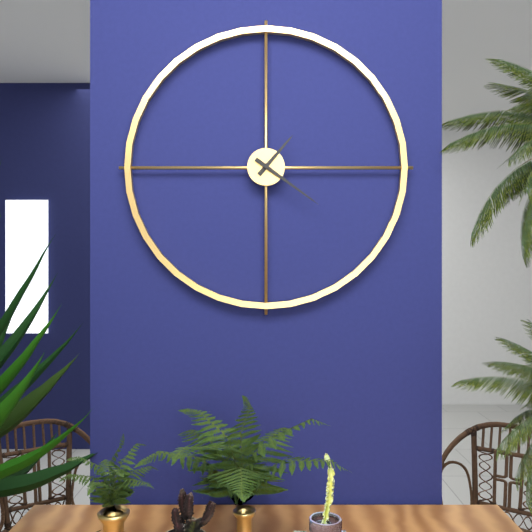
1,21
